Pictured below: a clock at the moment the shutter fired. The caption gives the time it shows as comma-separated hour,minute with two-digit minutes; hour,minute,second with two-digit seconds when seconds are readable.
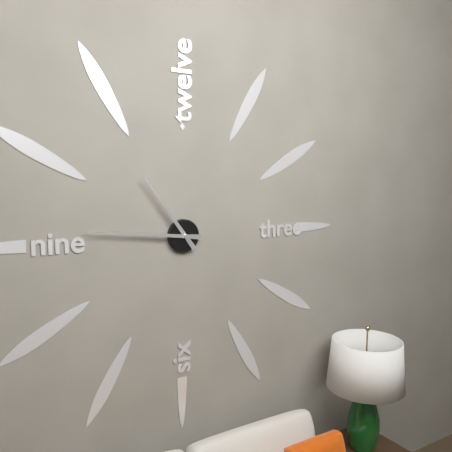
10,46
